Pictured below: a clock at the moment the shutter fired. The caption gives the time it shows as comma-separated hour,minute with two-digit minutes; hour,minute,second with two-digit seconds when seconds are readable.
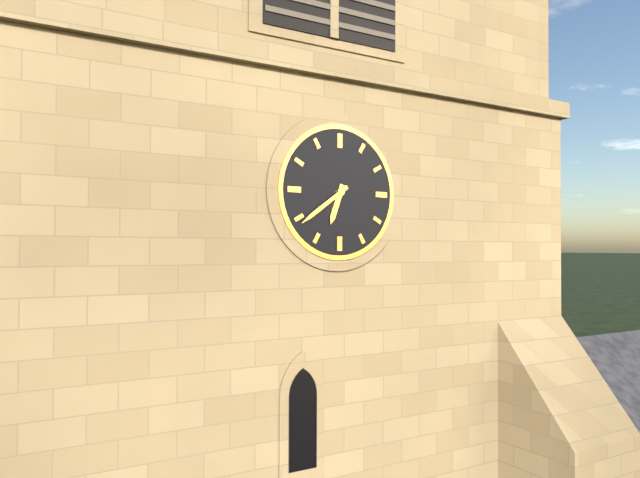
6,39
